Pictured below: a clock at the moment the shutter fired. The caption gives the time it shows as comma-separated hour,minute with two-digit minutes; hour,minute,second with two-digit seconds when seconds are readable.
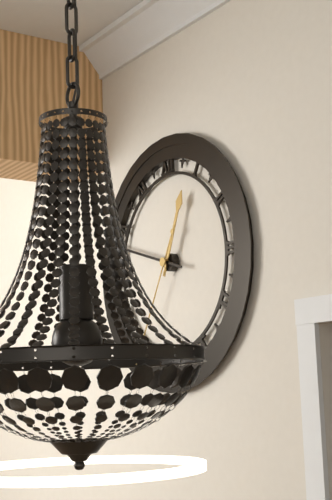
12,48
